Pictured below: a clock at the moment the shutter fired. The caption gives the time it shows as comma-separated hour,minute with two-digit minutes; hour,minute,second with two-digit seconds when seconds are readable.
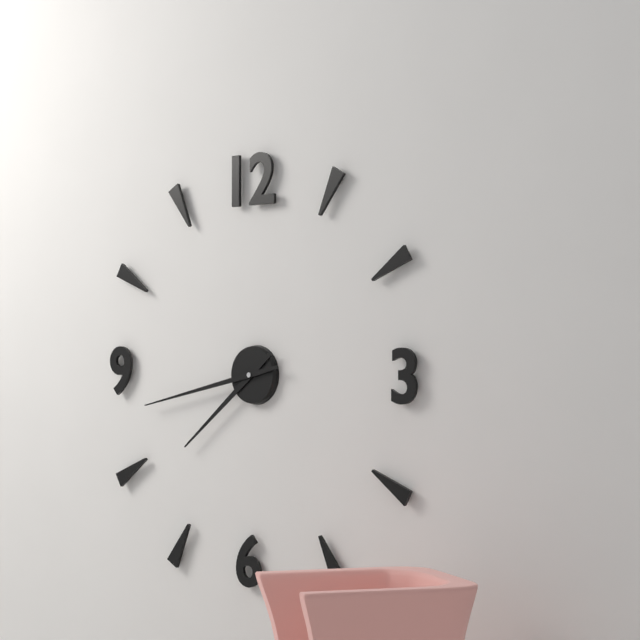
7,43
